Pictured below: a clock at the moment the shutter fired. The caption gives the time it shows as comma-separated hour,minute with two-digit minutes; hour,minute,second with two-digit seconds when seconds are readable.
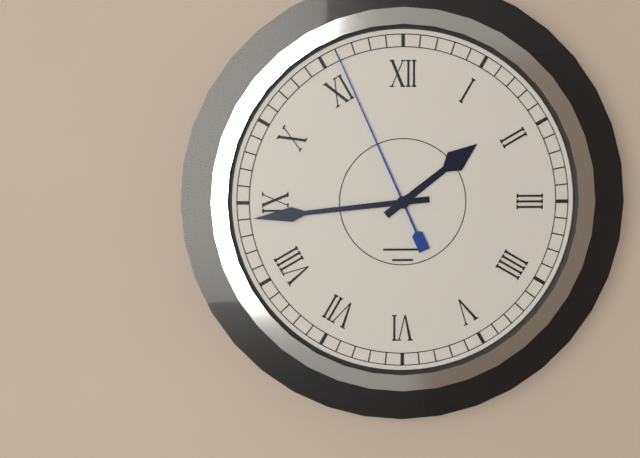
1,44,56
